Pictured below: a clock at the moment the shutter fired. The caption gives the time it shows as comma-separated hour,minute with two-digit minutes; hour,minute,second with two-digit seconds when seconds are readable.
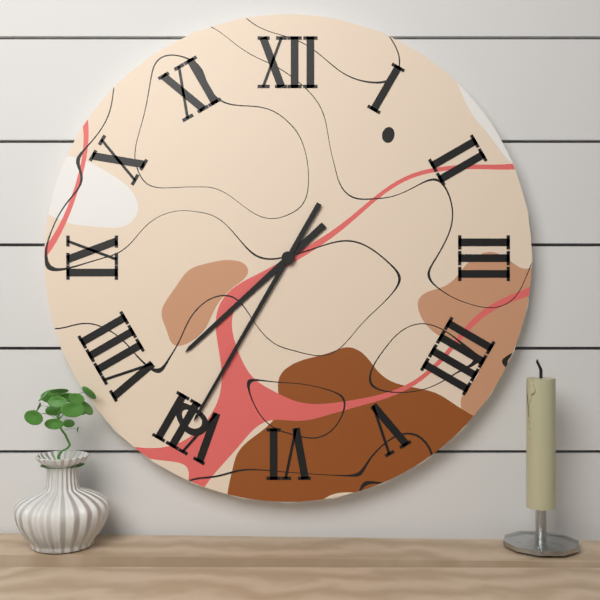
7,35
